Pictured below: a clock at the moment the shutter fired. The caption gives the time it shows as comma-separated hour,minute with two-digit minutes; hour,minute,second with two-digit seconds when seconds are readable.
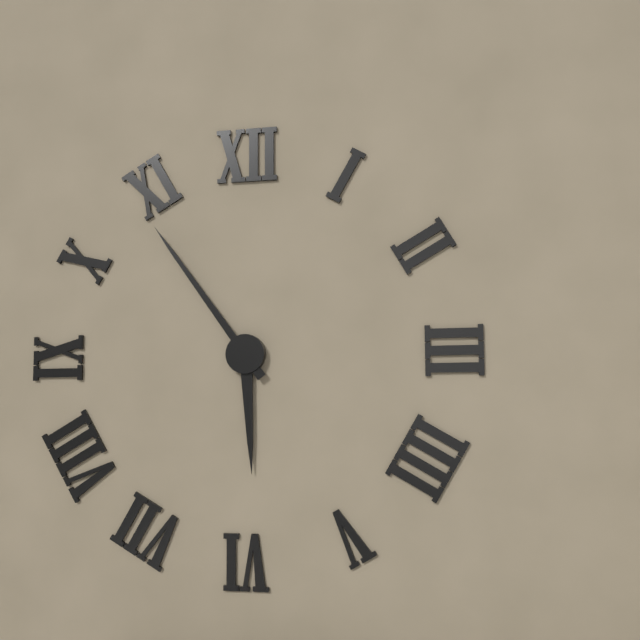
5,54
